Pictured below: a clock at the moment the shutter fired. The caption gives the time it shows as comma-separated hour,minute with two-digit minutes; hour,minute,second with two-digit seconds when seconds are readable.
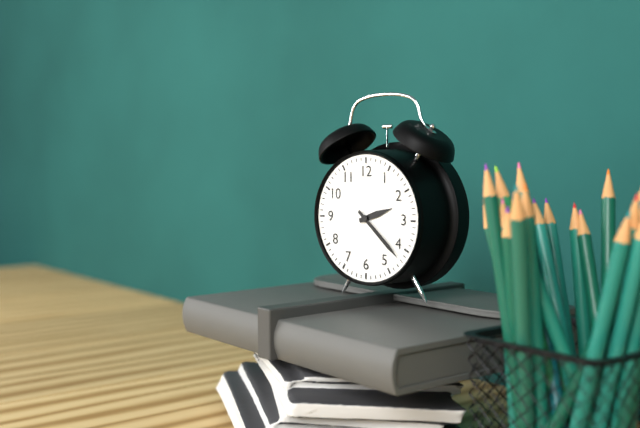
2,22
